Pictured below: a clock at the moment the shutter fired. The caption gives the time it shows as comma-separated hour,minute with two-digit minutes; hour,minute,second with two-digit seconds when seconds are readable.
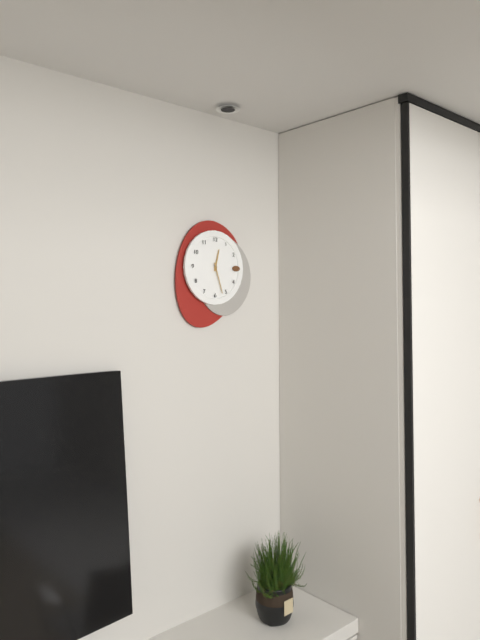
12,27
